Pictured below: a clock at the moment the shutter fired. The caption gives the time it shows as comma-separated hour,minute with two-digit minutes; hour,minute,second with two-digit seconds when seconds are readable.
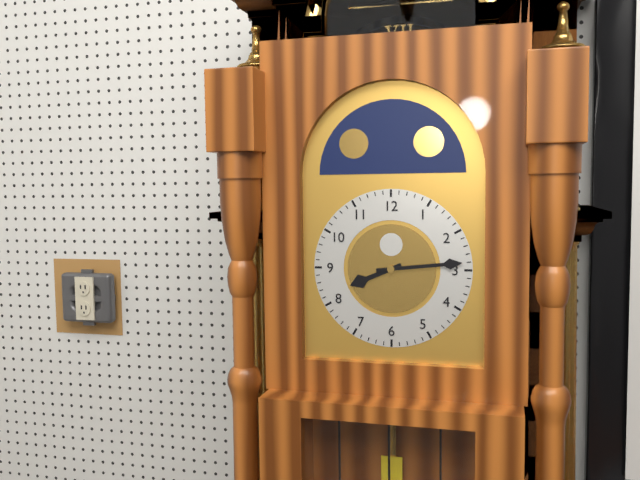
8,14
